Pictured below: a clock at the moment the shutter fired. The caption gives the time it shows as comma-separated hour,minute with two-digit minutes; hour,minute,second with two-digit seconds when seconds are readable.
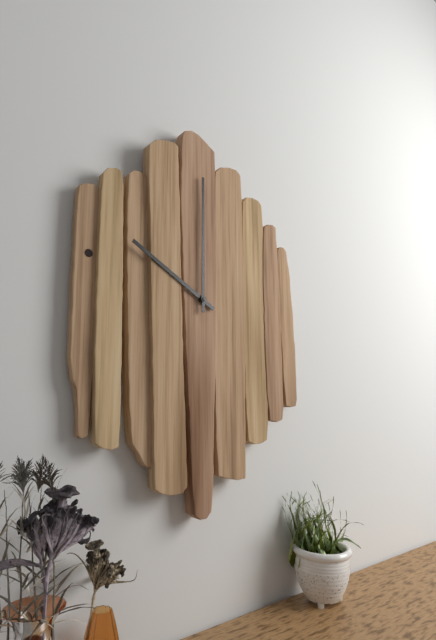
10,00
